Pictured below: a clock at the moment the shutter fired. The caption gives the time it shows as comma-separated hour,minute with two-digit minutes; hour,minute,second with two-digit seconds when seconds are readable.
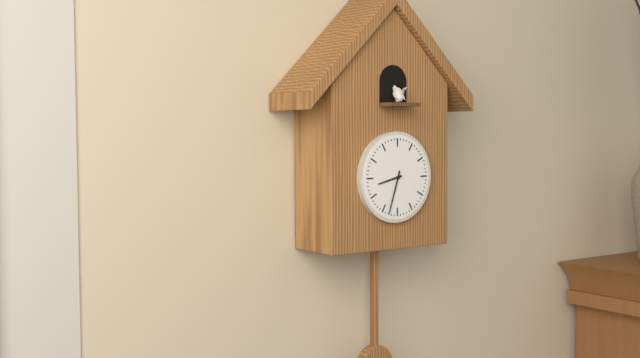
8,33
